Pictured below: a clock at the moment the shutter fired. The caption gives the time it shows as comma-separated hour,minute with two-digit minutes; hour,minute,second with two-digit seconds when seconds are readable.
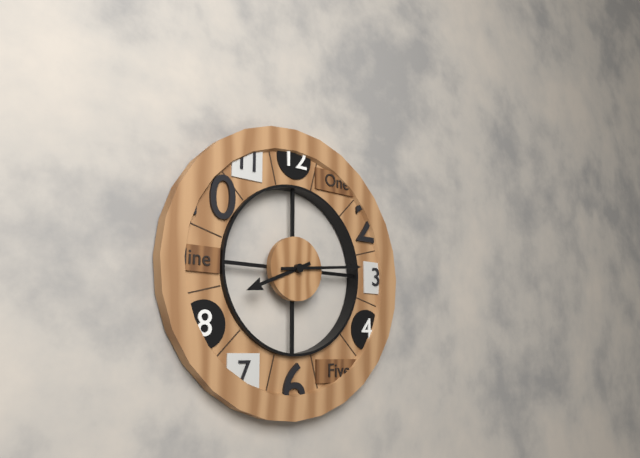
8,14
